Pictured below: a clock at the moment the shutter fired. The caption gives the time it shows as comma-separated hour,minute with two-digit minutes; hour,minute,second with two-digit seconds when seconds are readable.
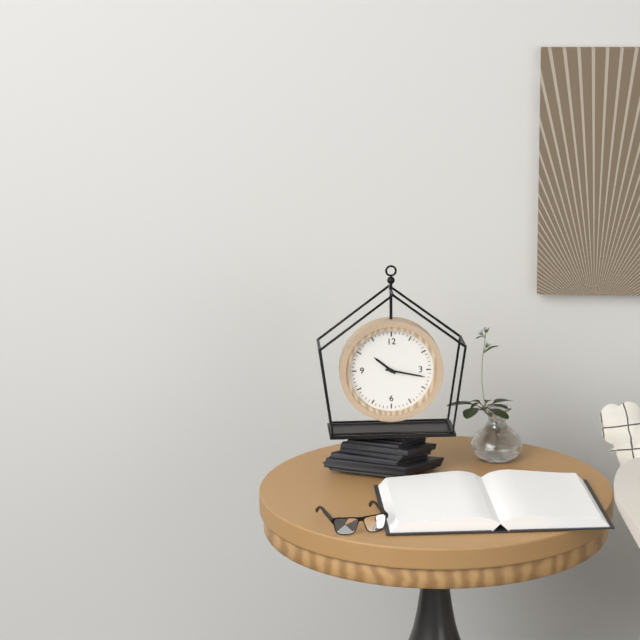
10,17
